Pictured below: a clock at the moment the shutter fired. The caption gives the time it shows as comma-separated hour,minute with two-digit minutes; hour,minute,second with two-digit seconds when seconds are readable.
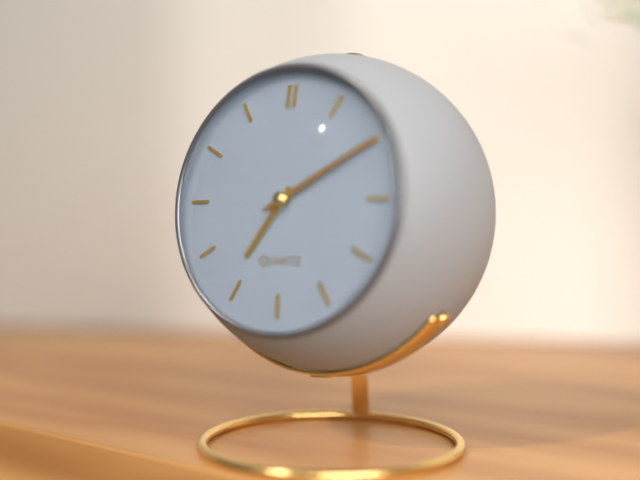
7,10,10
